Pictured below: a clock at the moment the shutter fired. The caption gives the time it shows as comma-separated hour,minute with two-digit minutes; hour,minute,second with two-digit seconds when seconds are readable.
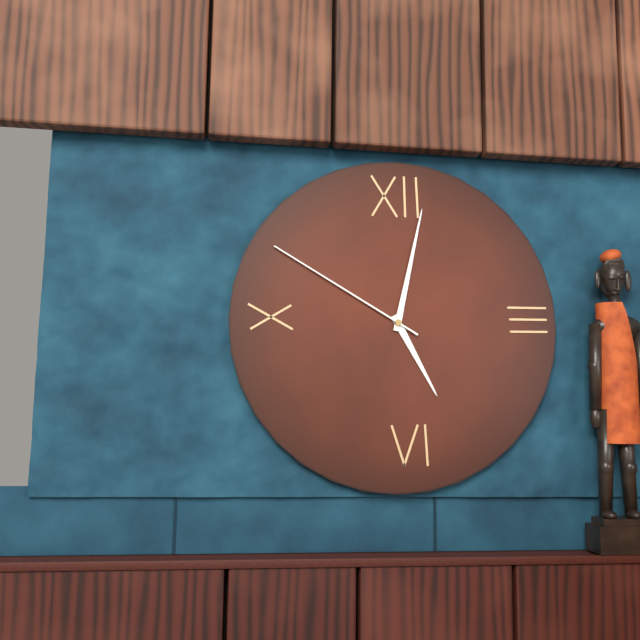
5,02,50
